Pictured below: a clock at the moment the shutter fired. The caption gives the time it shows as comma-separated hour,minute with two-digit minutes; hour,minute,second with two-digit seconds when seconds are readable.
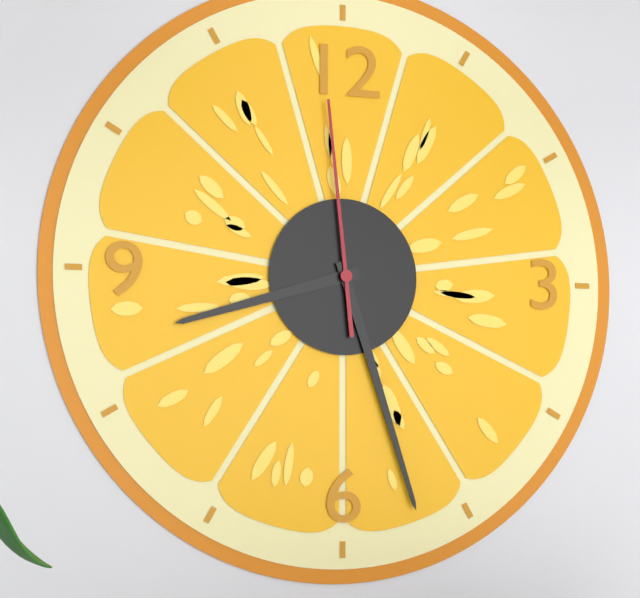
8,27,59
